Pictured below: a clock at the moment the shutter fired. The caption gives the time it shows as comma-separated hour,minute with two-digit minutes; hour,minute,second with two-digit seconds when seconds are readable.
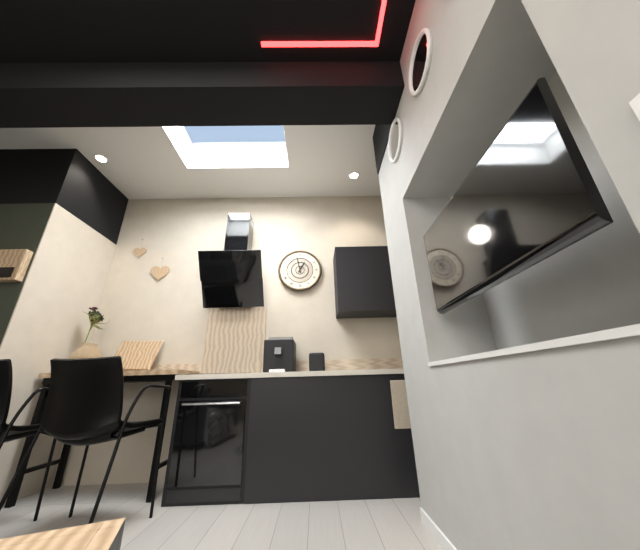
12,58
